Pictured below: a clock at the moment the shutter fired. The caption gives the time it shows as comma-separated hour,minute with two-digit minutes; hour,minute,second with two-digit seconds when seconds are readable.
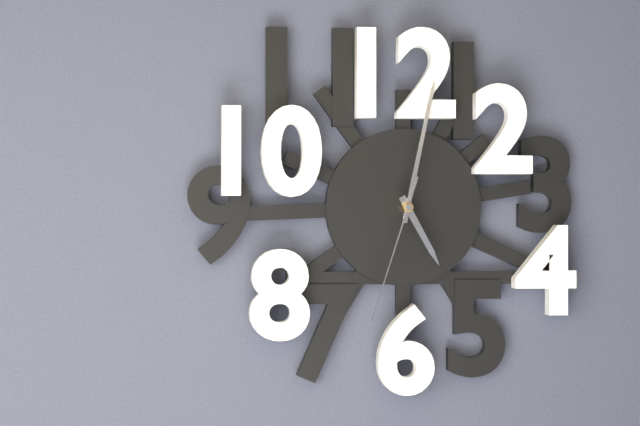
5,02,33
